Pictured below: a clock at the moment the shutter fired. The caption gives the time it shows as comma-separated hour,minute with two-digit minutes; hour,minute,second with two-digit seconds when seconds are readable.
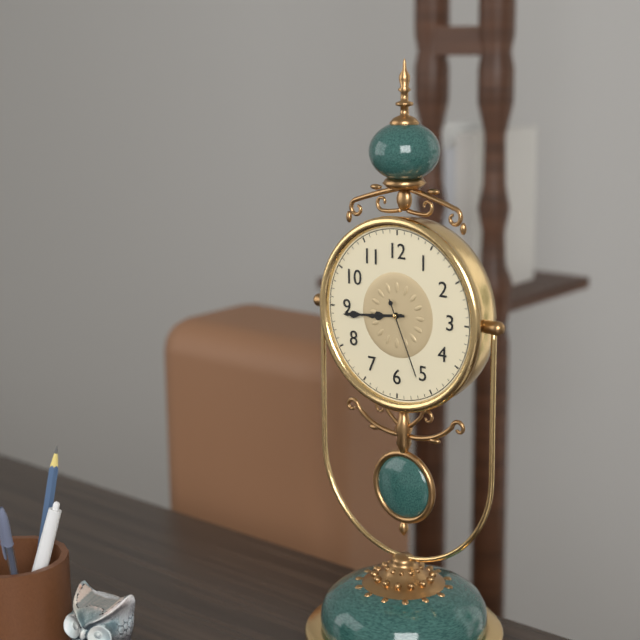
8,44,26
